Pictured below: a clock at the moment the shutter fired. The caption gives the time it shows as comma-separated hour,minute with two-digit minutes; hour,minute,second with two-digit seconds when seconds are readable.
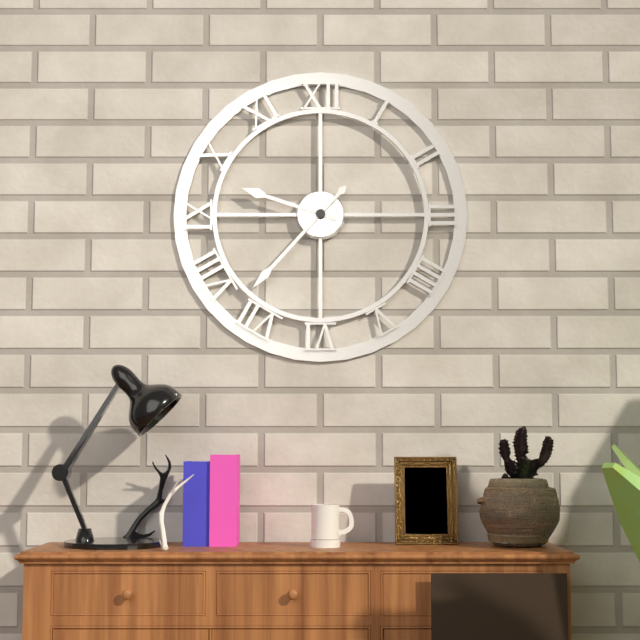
9,37
